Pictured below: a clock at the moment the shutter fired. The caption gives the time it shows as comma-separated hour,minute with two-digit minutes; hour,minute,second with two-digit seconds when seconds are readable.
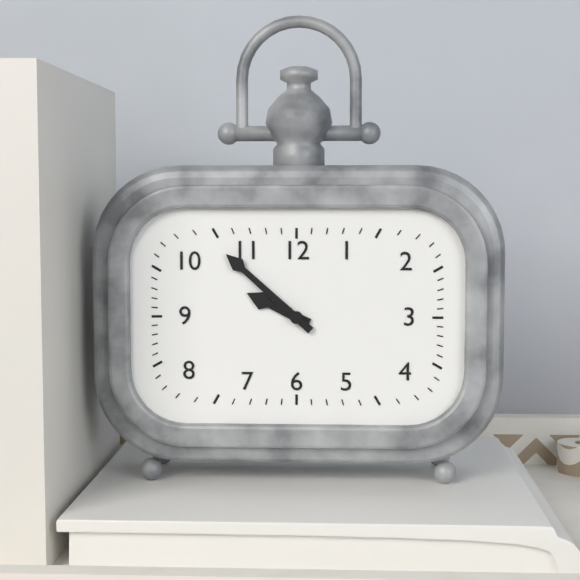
9,52
